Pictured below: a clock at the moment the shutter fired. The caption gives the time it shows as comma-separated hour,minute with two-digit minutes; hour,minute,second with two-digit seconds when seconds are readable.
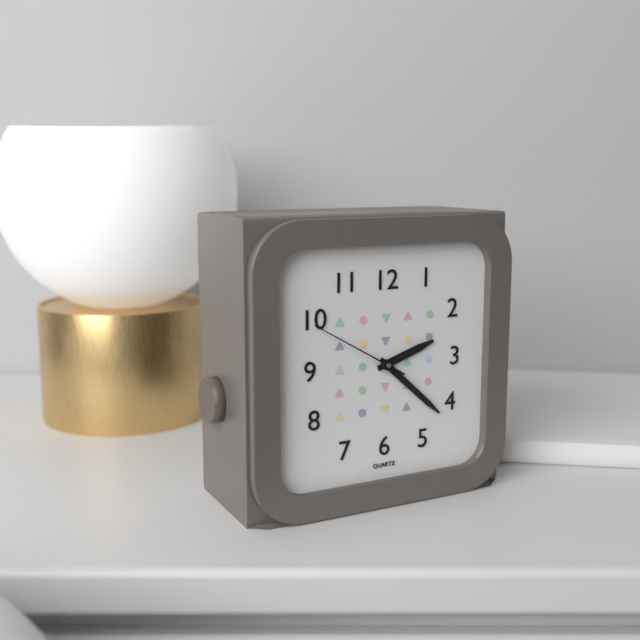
2,22,50
